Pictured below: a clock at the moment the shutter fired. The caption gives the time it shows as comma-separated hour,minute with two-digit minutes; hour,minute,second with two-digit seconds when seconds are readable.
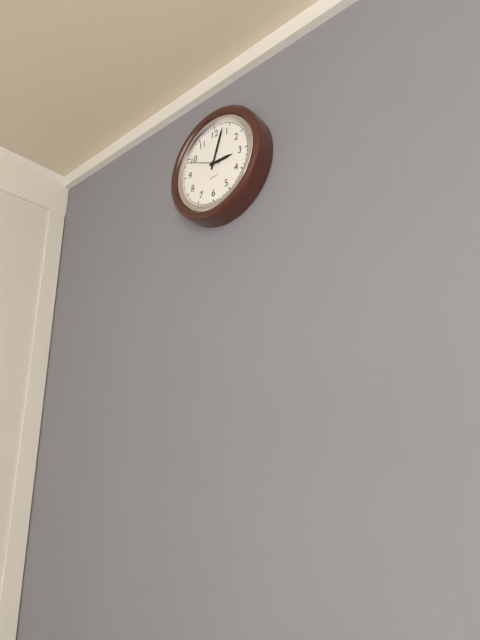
3,03
